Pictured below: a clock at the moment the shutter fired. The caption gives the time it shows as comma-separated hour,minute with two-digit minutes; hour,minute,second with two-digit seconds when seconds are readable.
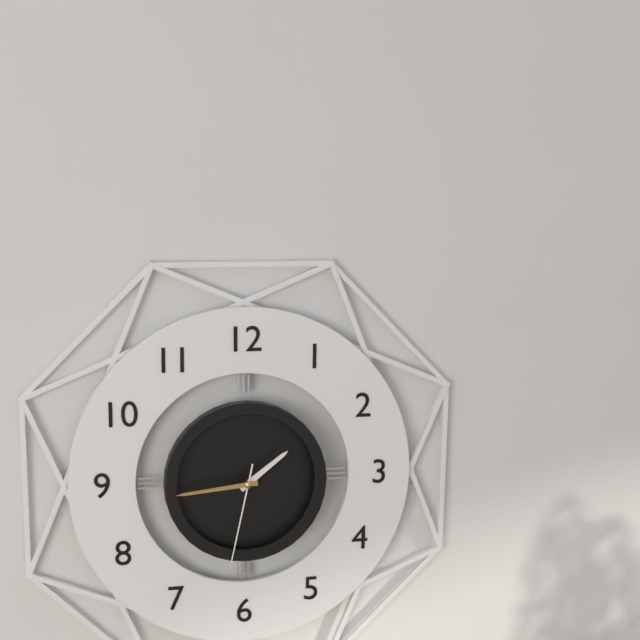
1,44,32
